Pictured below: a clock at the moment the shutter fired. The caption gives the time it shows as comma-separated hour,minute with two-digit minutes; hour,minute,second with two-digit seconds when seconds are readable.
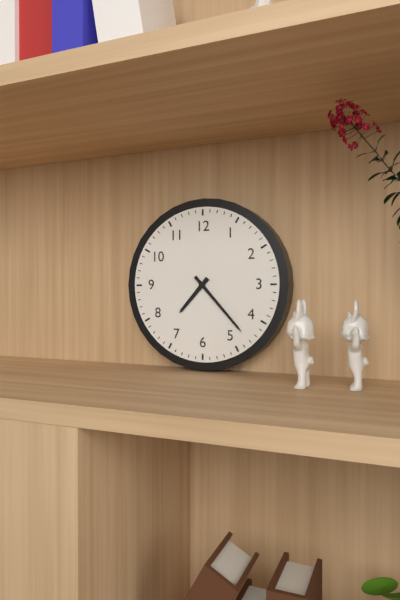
7,23
